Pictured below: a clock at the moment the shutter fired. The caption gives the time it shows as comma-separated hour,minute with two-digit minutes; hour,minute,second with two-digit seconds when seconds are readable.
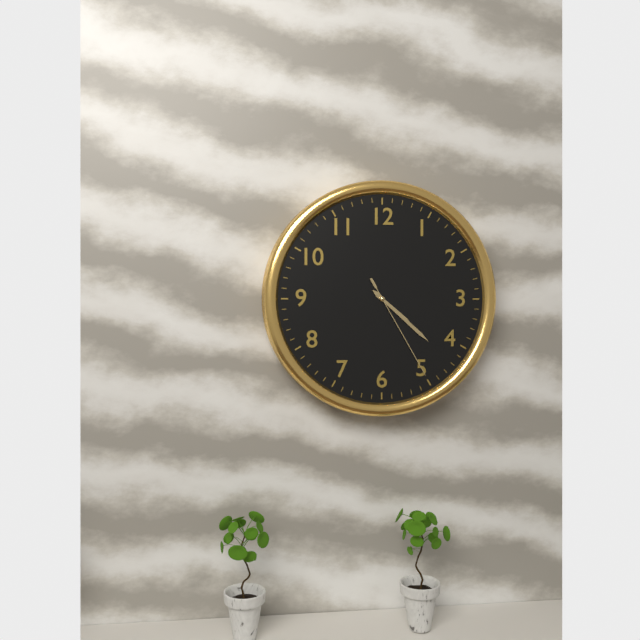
4,22,25
